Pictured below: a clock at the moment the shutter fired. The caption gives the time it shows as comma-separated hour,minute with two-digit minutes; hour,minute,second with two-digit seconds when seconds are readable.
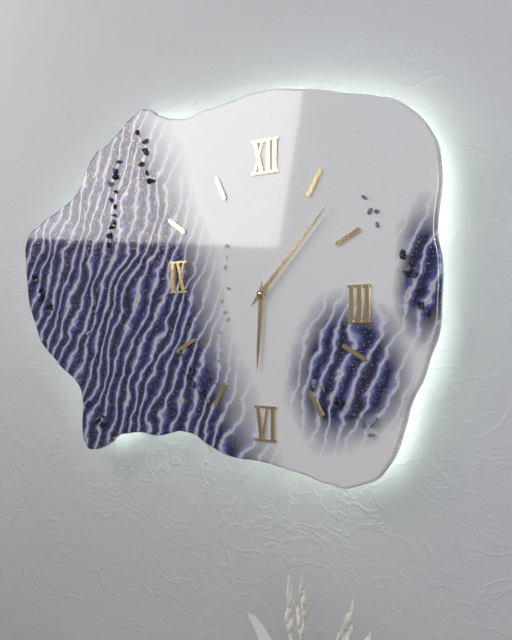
6,07
